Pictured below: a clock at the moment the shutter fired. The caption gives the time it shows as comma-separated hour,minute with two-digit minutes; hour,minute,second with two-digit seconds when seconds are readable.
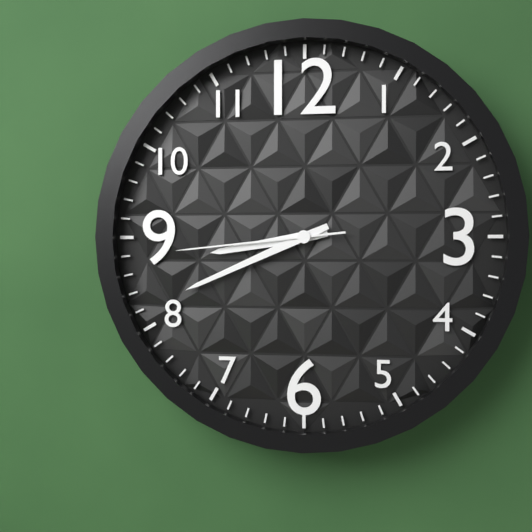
8,41,44
